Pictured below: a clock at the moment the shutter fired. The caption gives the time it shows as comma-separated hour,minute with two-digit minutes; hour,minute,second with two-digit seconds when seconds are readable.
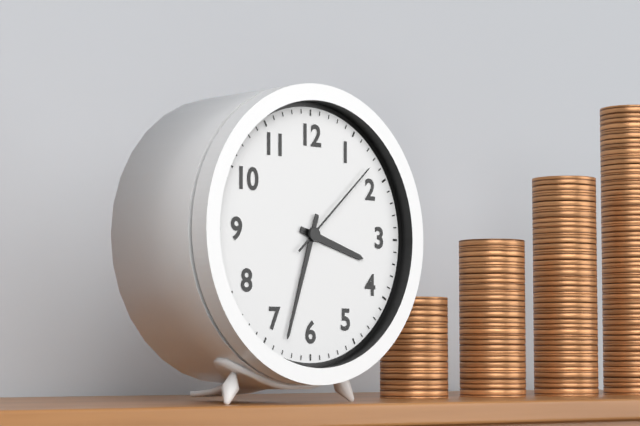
3,33,08
